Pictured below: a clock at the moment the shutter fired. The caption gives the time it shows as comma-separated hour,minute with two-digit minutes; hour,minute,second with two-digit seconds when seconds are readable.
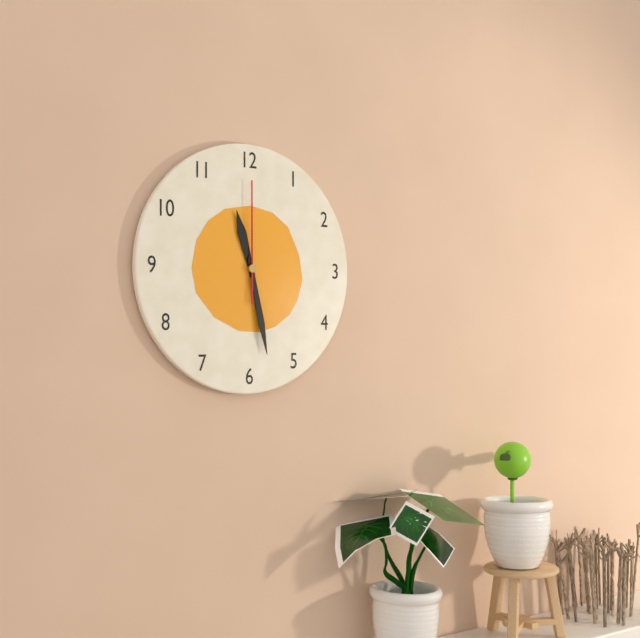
11,28,00
